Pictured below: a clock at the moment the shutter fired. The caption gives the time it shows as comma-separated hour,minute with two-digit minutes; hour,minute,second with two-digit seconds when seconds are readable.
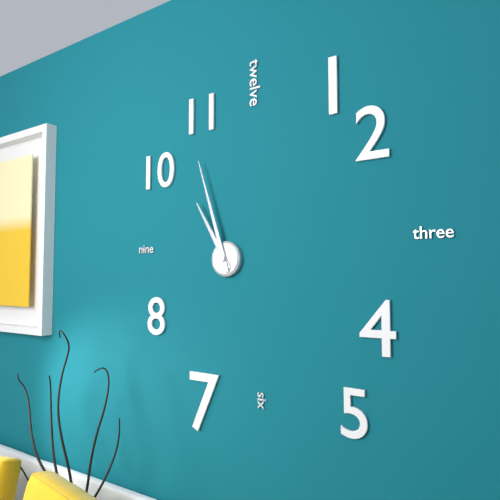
10,57
